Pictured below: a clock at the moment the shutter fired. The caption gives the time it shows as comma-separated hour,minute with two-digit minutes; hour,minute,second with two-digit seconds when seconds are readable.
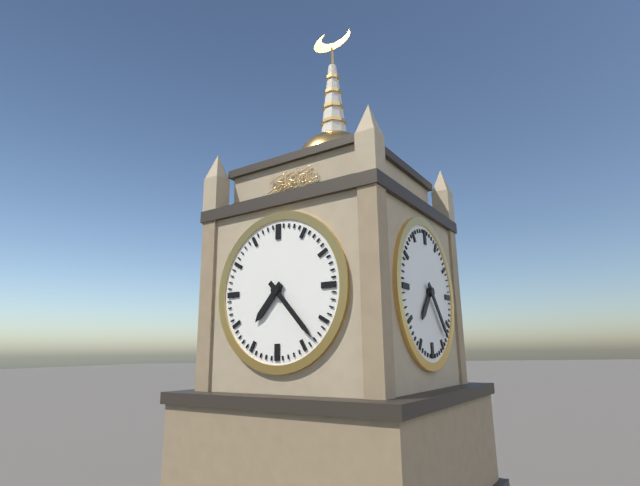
7,23
